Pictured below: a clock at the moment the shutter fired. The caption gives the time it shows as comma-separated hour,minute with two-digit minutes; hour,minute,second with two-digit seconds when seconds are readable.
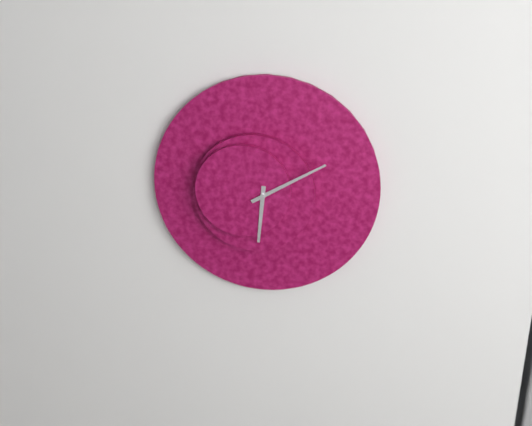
6,10
